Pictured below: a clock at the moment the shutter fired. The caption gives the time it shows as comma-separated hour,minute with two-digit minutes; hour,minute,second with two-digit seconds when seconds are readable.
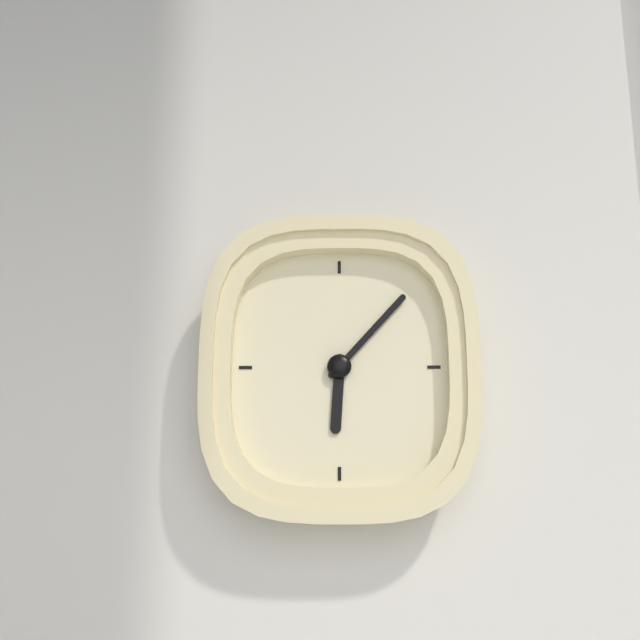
6,07
